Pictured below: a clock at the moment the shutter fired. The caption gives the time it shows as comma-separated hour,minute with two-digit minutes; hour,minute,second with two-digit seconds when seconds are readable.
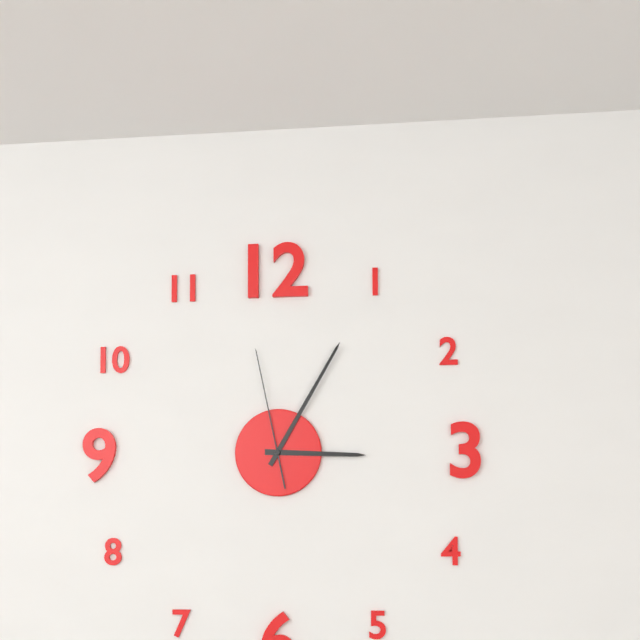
3,05,58
